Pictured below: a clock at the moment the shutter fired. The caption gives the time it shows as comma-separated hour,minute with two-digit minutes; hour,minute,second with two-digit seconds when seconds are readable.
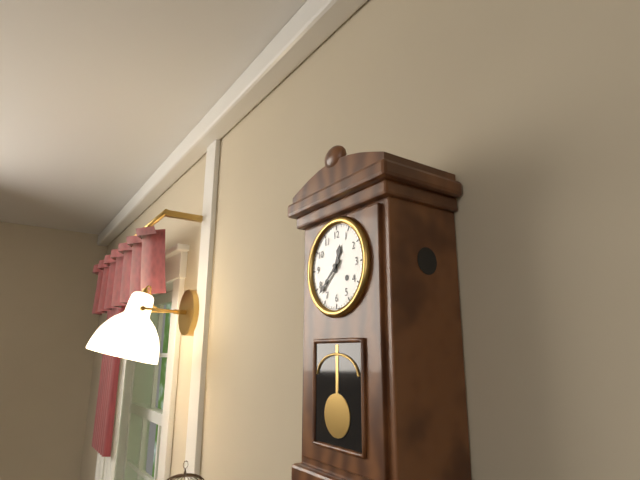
12,38
